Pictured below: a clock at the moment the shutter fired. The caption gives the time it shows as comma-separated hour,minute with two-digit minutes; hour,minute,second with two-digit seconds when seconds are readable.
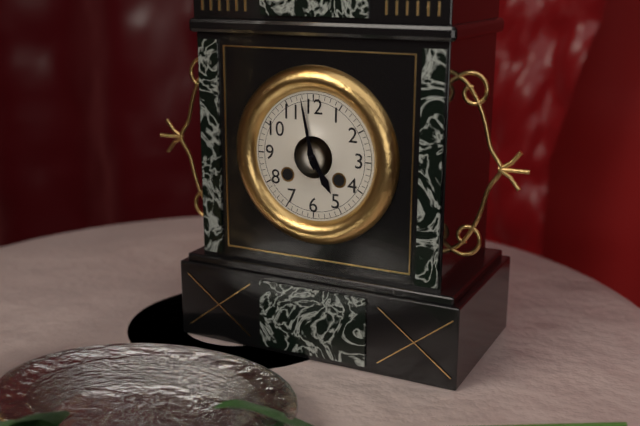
4,58
